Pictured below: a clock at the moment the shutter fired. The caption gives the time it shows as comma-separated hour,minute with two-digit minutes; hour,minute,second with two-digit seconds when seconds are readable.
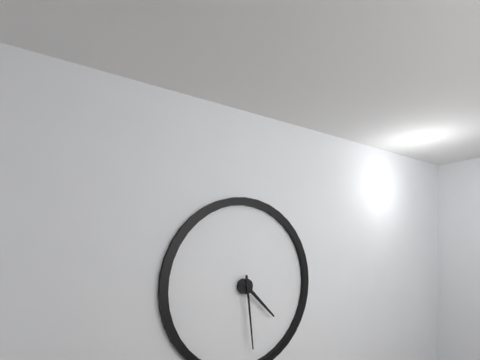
4,29
